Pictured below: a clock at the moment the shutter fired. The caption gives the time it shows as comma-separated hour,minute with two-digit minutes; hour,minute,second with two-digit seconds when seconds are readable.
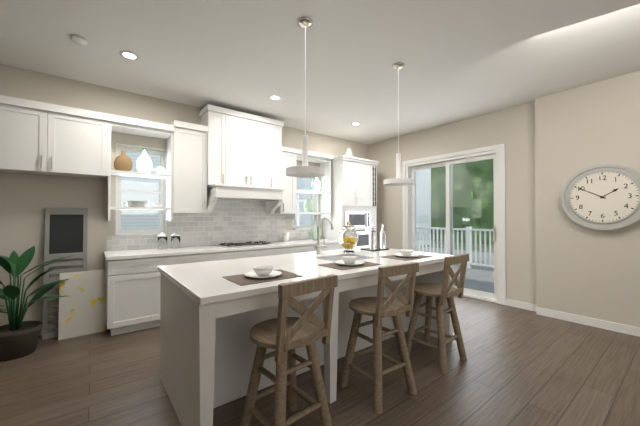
1,50
